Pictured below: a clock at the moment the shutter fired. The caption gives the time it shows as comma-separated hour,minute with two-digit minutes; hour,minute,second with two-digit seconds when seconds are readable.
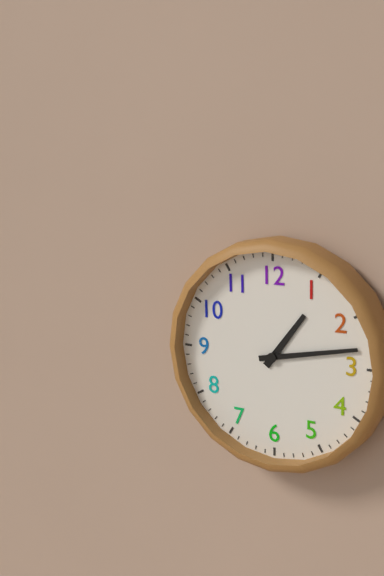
1,13
